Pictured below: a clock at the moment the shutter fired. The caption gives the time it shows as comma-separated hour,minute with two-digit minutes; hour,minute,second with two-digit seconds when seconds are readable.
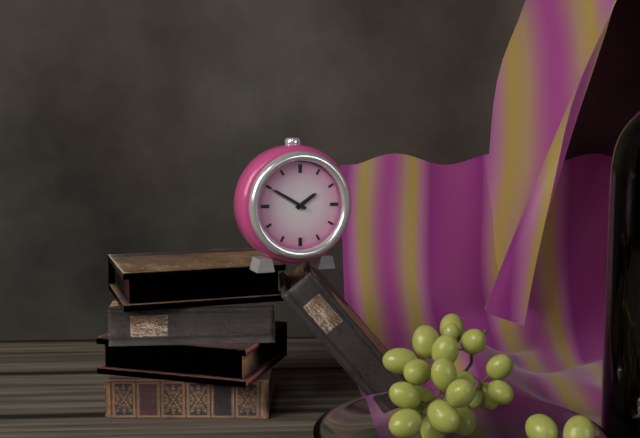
1,50
